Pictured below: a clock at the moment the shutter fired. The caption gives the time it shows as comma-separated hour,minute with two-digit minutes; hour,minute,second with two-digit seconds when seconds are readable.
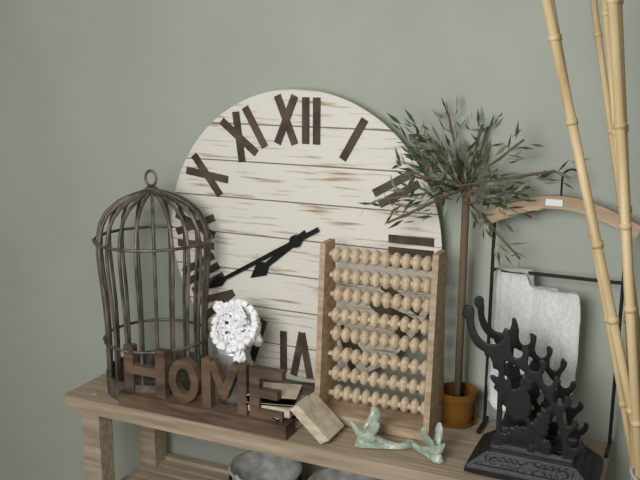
7,40
